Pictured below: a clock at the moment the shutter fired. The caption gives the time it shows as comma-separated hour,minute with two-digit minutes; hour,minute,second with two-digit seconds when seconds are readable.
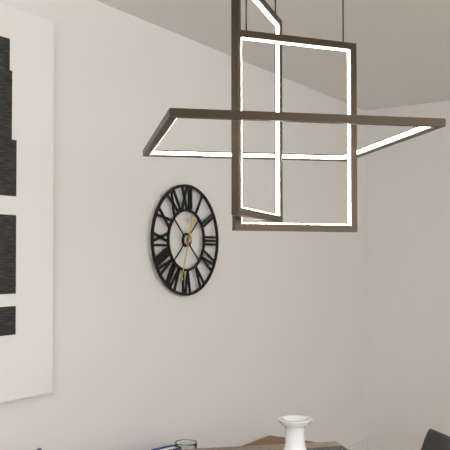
12,33
